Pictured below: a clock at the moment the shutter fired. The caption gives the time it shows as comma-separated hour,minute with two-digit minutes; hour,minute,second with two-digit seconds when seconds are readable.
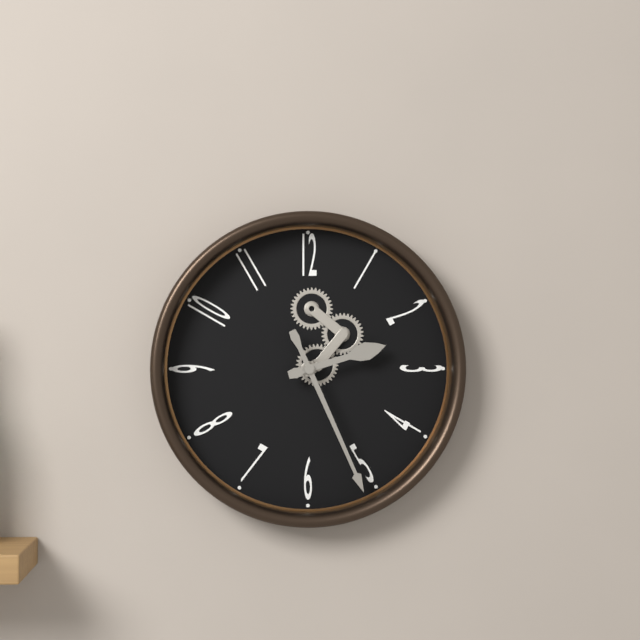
2,26
